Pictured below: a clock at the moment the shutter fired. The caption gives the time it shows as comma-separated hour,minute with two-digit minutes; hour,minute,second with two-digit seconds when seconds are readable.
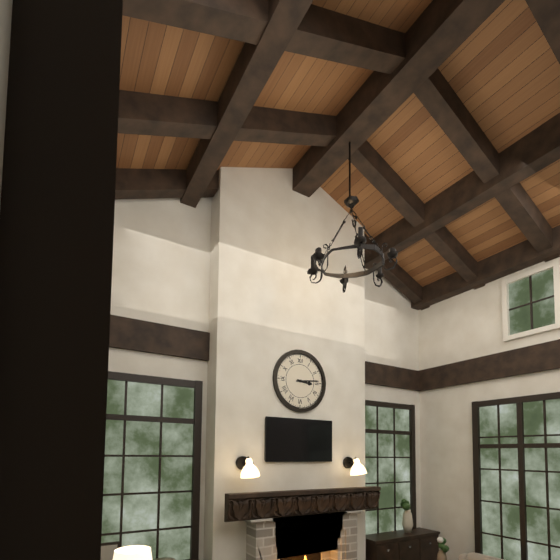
3,14
